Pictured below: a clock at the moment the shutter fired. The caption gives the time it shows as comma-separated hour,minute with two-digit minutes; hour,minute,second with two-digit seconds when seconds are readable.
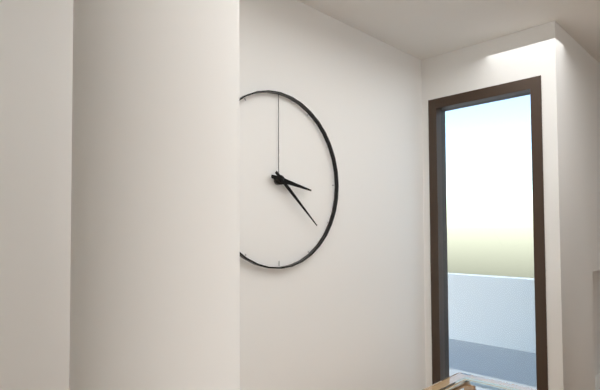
3,22
